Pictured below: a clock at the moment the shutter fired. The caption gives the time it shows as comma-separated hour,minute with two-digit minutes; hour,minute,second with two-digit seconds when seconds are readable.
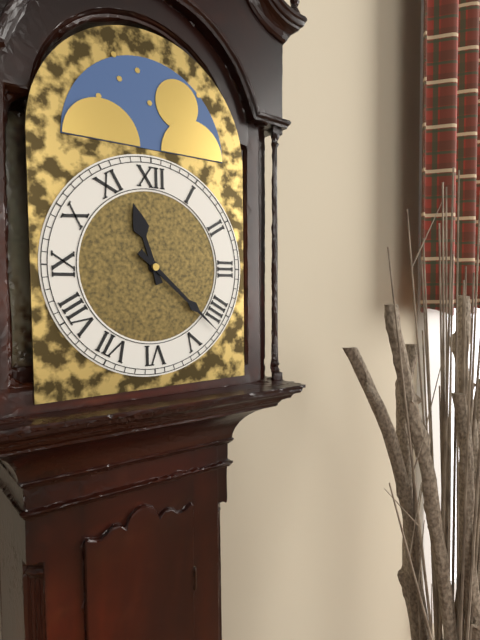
11,22
